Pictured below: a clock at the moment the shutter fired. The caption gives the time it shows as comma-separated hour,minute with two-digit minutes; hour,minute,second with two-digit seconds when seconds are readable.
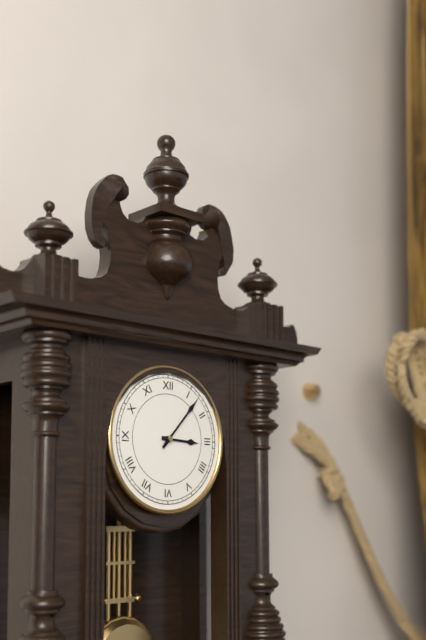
3,07
